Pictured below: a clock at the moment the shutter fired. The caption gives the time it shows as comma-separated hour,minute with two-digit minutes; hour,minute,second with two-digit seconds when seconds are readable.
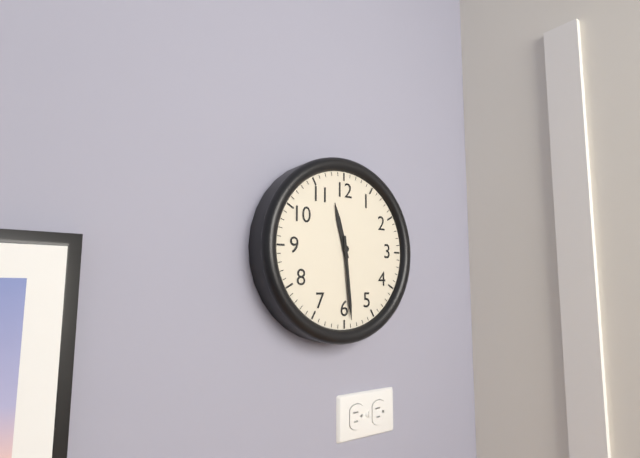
11,29
